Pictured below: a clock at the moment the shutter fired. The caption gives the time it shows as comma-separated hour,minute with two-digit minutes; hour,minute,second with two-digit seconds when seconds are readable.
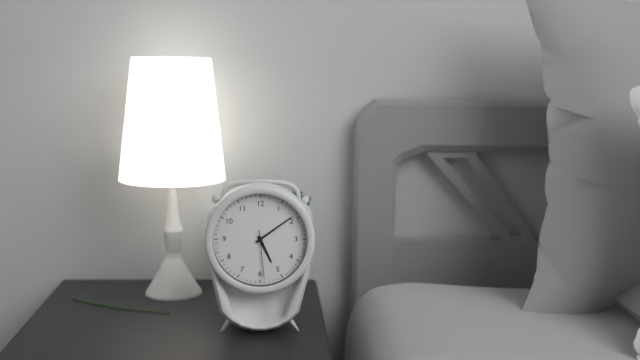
5,09,29
